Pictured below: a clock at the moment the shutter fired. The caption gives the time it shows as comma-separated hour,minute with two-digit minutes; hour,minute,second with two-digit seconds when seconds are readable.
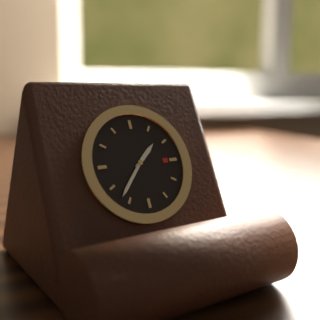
1,37
